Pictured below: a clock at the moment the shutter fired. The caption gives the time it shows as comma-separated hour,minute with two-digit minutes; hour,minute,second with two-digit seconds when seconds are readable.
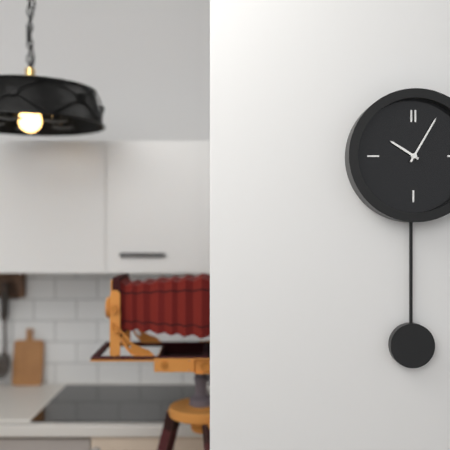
10,05
